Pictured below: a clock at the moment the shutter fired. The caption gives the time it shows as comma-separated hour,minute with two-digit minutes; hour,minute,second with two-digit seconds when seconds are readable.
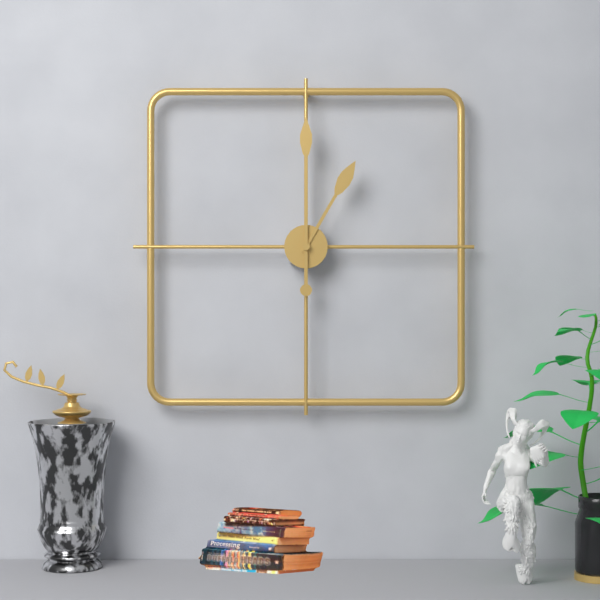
1,00
